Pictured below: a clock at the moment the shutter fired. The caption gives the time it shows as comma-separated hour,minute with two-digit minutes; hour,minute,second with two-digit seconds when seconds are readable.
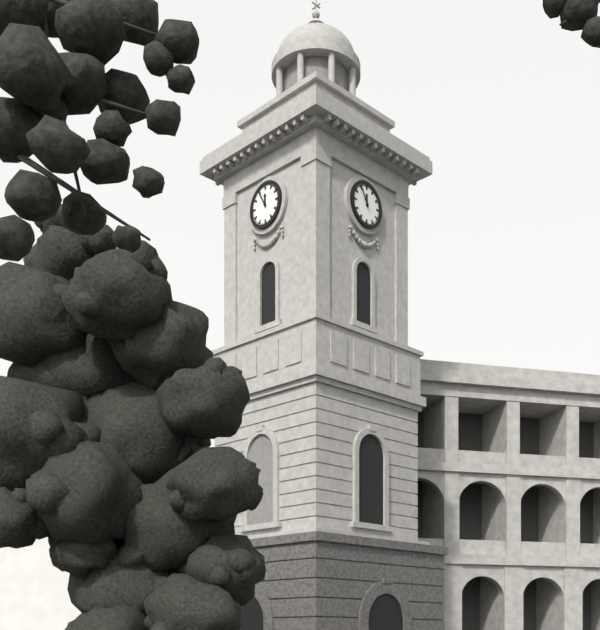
11,55
